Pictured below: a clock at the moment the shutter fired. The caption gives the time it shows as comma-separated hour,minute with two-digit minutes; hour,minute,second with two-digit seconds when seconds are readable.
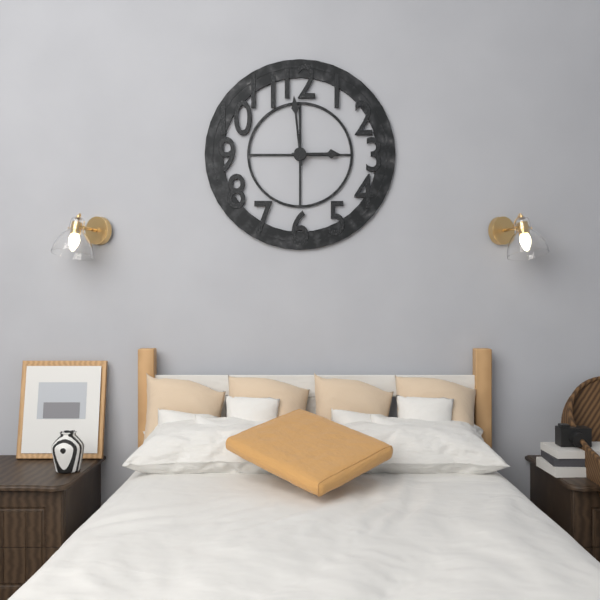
2,59
